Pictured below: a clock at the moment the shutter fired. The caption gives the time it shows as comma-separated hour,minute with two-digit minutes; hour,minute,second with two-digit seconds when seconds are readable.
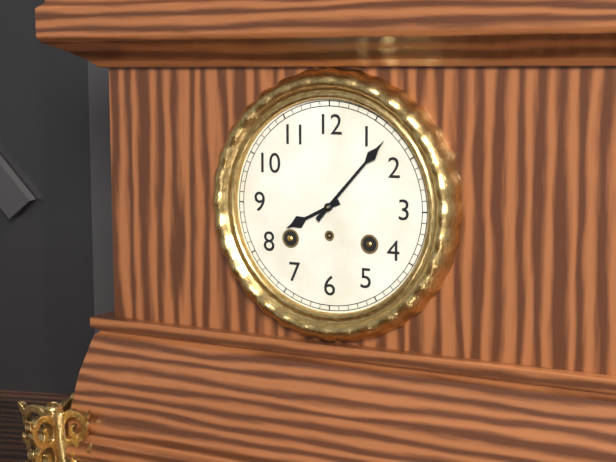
8,07
